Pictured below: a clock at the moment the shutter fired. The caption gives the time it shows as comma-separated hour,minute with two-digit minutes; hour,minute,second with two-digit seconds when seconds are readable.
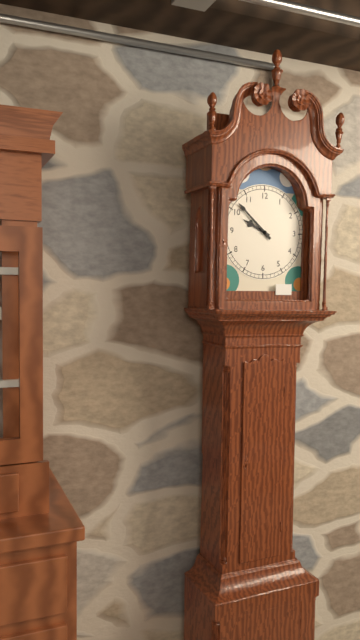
9,52
